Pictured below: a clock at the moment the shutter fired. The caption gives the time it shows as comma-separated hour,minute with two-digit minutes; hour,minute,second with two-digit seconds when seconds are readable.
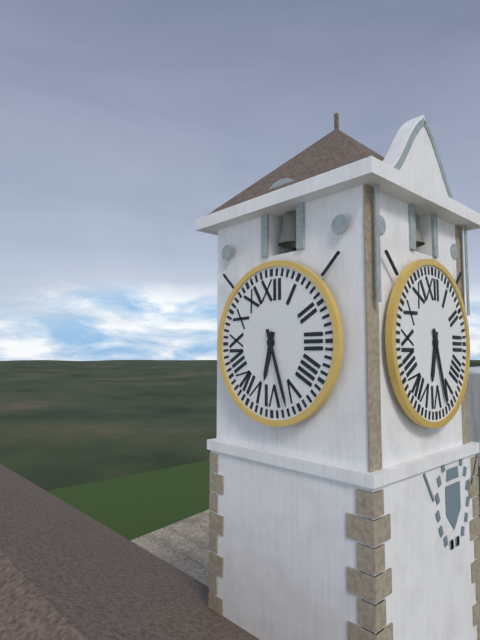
6,27
